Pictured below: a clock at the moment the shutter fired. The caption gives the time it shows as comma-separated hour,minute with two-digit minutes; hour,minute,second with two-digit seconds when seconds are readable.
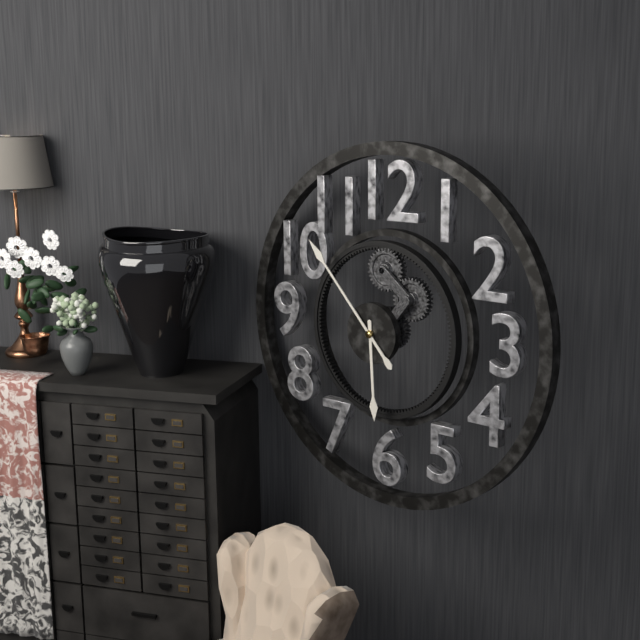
5,53
